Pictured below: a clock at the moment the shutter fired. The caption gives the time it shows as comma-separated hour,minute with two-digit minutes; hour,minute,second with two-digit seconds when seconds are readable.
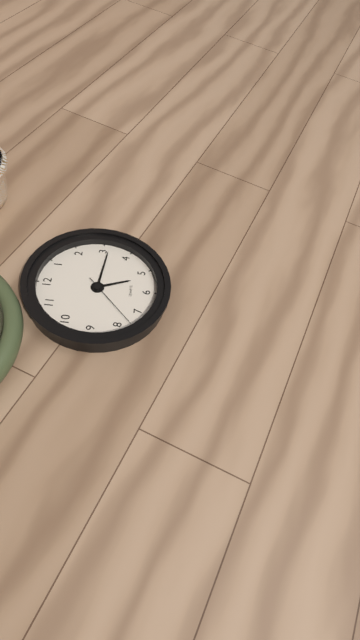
5,16,38
